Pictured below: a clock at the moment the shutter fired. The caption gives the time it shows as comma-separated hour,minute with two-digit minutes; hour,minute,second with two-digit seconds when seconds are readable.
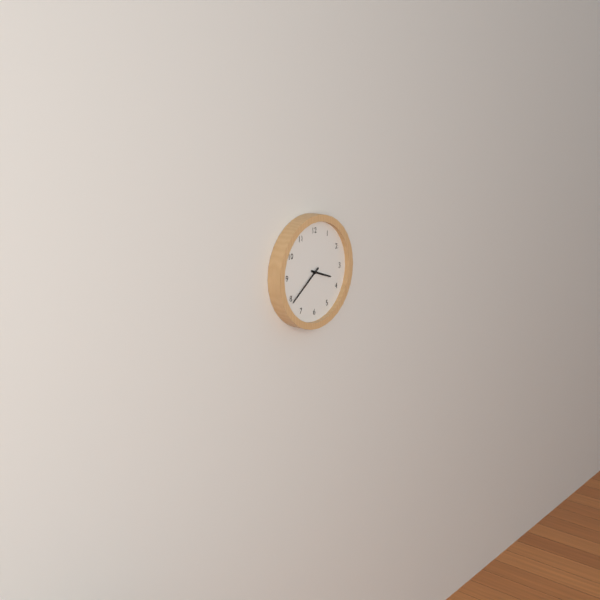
3,39
